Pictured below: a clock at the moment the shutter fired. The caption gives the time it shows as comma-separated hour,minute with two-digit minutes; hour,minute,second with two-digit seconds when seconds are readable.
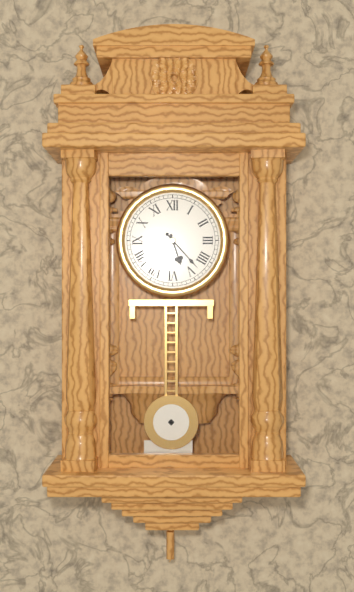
5,23
